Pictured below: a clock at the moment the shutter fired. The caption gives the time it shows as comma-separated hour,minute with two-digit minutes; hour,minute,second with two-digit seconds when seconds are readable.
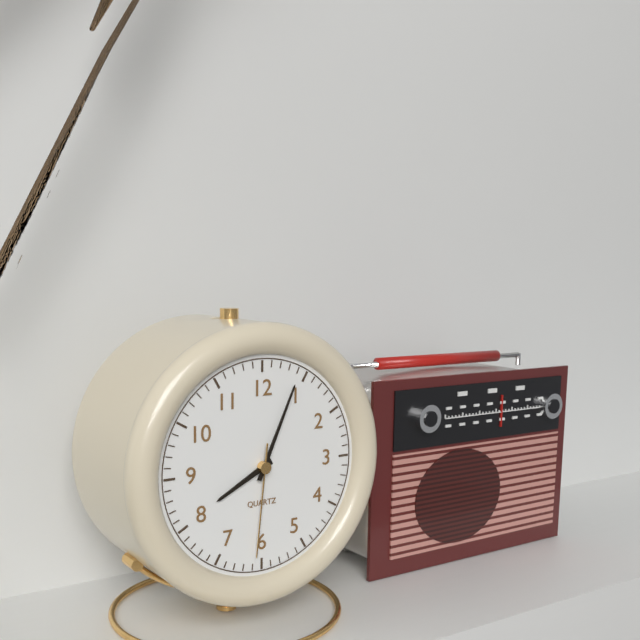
8,04,31
